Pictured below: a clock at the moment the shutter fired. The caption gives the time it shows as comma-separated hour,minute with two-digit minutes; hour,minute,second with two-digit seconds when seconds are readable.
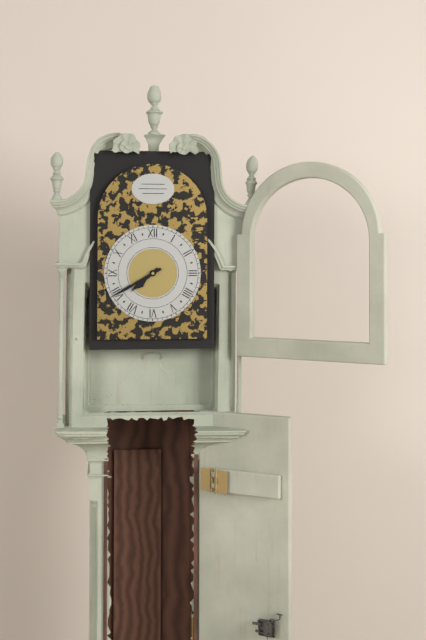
7,40
